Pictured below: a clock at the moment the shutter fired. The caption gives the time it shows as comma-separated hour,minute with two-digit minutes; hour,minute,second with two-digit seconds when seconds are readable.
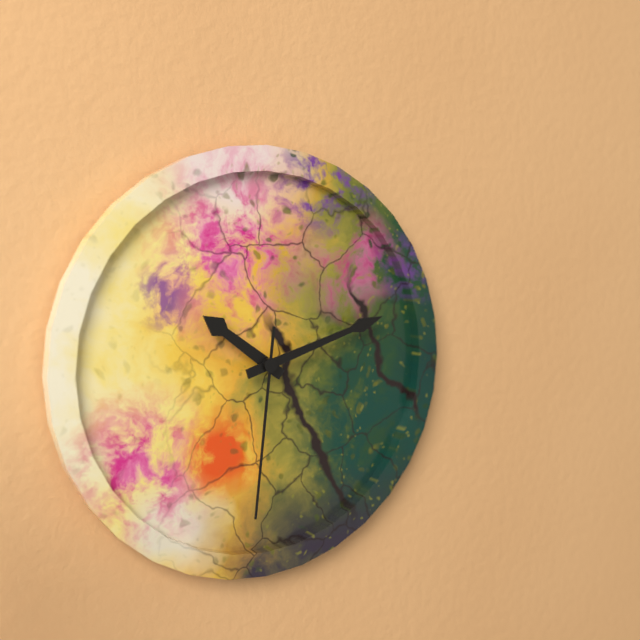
10,12,31
